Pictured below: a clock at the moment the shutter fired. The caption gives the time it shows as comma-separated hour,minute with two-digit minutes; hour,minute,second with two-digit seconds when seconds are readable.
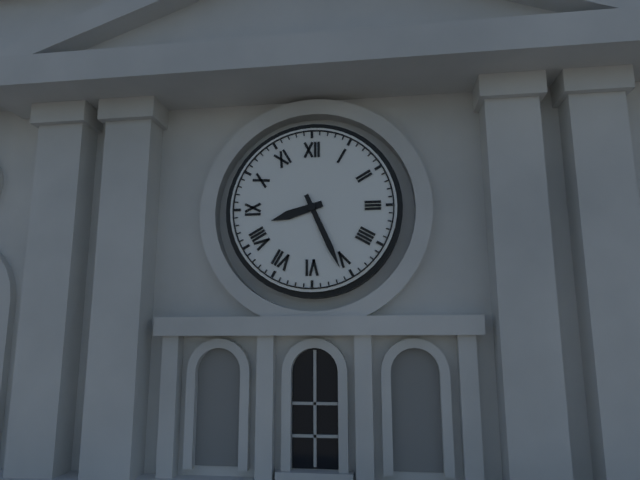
8,26
